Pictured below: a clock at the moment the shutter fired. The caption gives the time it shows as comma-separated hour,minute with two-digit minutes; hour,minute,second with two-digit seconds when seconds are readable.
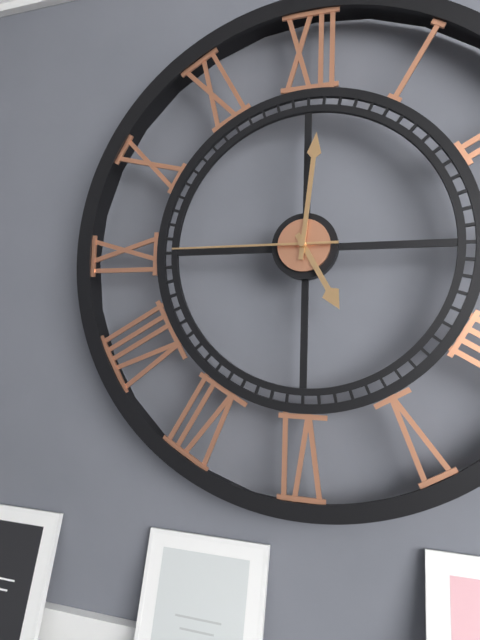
5,01,45
